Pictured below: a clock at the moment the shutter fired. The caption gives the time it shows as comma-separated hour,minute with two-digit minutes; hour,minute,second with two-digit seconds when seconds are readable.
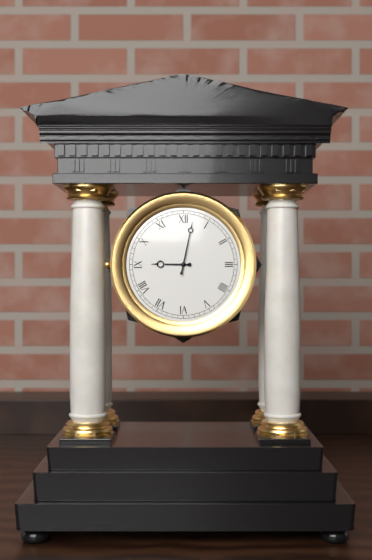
9,02
